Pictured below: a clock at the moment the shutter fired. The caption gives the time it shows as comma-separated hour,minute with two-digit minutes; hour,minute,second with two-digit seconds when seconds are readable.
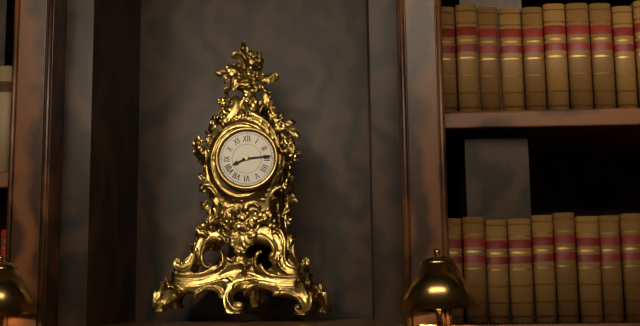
8,14
